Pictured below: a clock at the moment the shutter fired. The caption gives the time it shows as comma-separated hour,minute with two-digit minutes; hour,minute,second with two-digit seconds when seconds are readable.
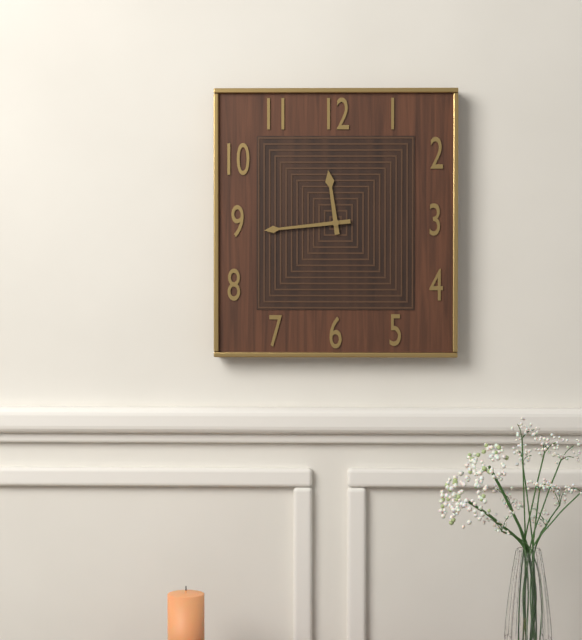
11,44
